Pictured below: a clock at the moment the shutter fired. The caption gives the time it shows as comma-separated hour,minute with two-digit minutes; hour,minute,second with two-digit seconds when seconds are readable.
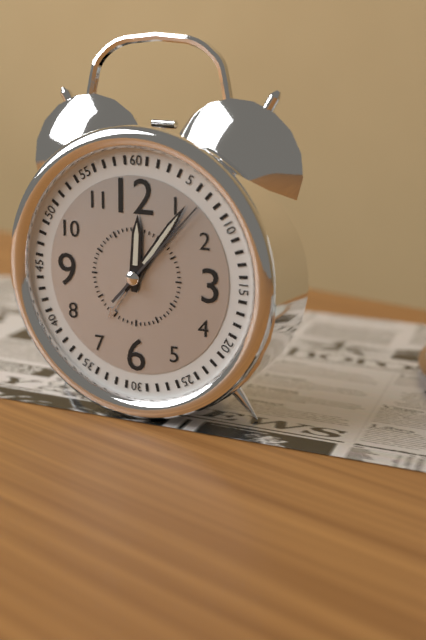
12,06,07
